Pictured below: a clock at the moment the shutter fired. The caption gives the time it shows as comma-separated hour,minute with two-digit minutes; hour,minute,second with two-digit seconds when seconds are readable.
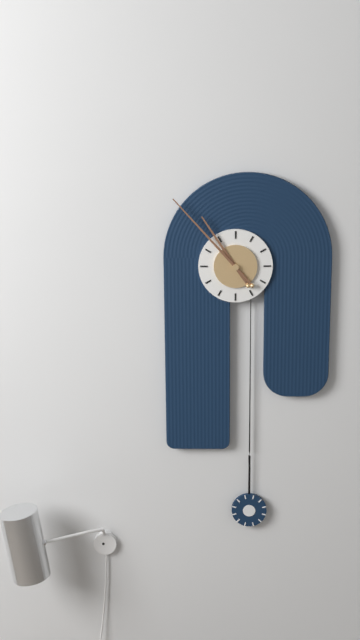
10,53
